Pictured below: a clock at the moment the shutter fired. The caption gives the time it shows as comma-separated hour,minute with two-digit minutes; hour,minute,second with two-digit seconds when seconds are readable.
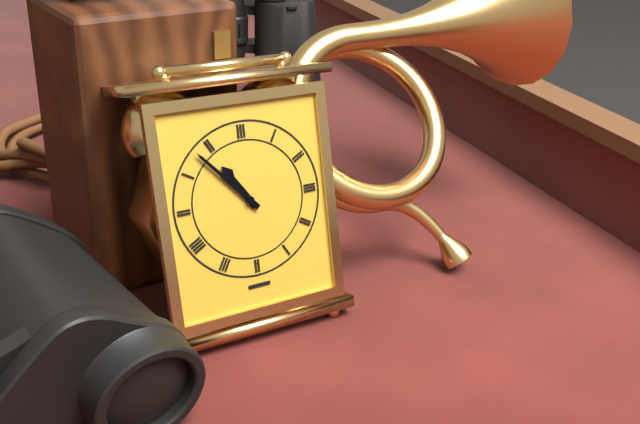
10,53
